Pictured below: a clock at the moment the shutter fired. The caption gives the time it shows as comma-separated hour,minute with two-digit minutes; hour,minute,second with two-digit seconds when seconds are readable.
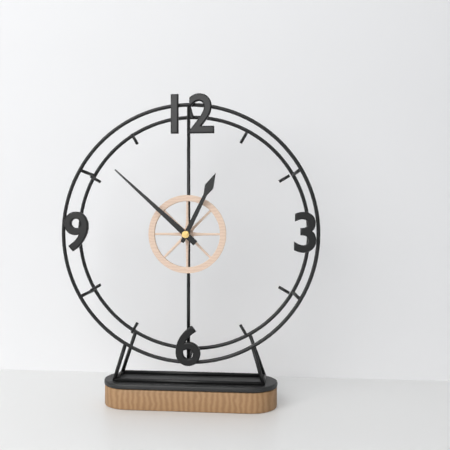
12,52
